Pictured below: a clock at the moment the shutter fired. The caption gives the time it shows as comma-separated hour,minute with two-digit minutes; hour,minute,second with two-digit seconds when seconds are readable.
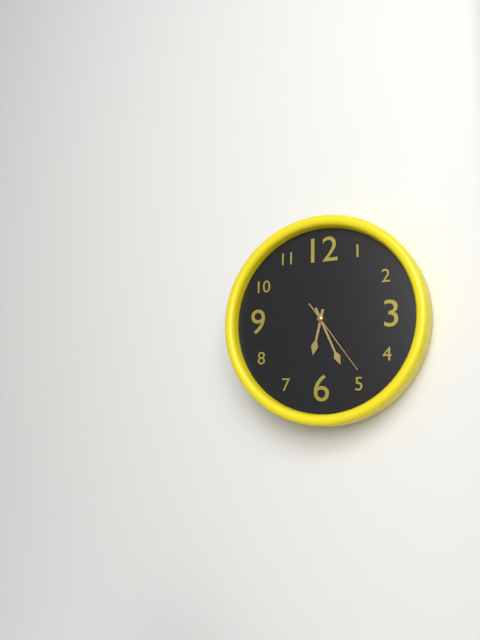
6,26,24
